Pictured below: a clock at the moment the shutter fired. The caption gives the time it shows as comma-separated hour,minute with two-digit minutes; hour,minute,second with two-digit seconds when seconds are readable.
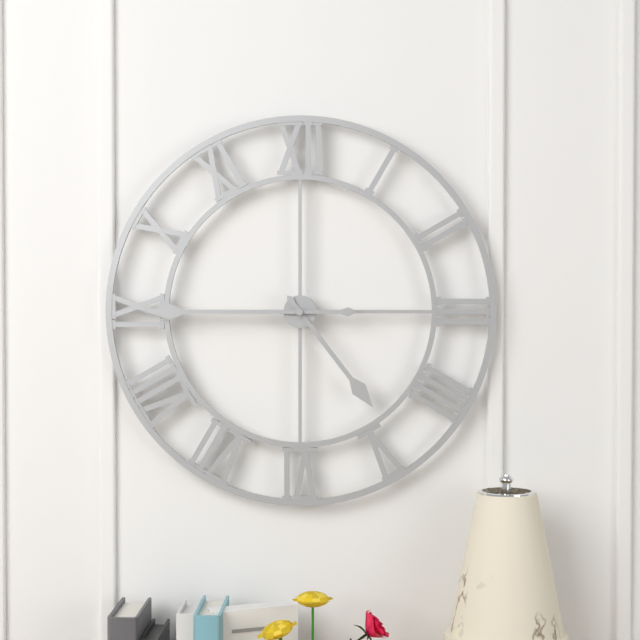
4,45
